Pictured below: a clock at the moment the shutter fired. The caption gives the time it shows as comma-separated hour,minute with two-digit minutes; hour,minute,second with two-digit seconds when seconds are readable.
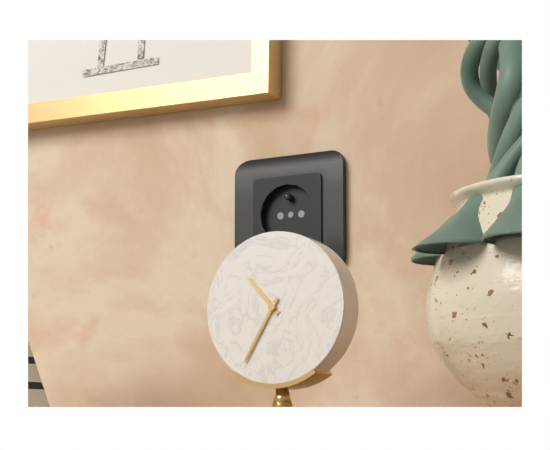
10,35
